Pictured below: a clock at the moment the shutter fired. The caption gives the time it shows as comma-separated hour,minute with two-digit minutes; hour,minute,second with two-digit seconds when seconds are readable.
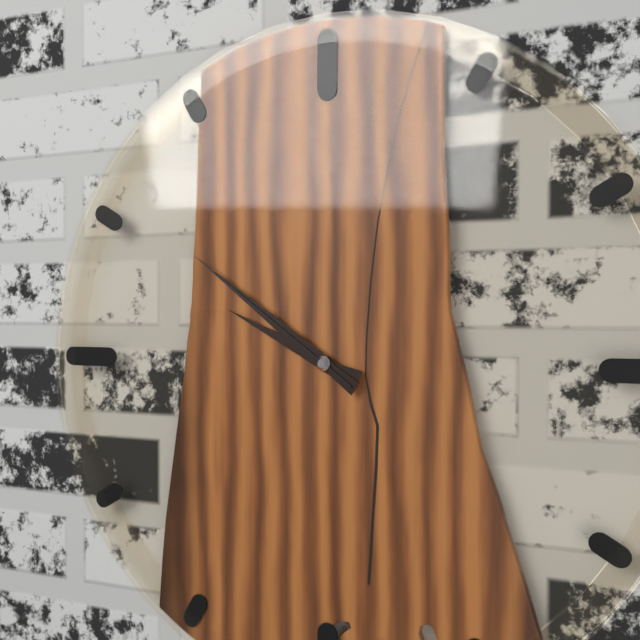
9,51,51
